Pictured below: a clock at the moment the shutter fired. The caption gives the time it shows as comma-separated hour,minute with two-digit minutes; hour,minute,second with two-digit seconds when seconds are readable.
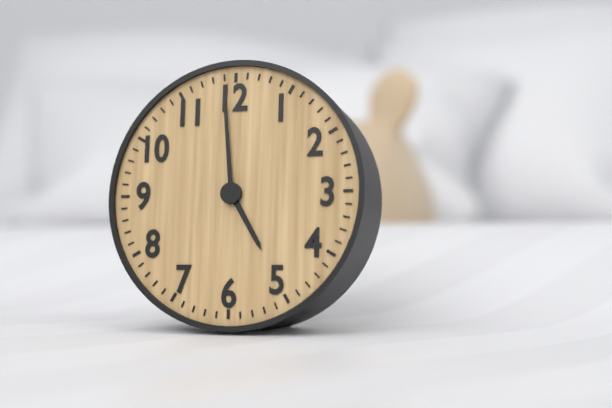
4,59
